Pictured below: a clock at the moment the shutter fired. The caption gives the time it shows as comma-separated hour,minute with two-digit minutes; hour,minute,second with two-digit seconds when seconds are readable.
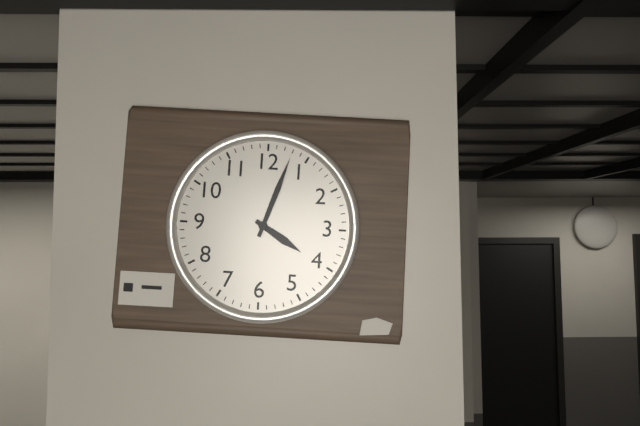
4,03
